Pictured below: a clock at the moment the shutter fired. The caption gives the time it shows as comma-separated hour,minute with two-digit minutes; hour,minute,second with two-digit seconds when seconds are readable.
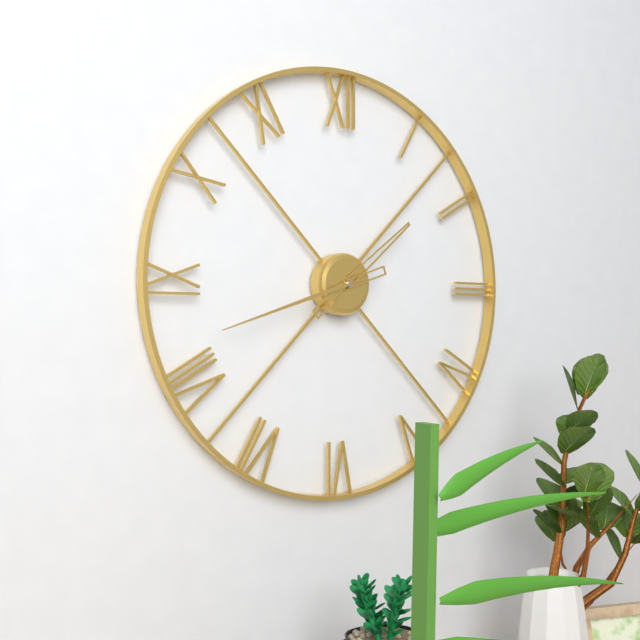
1,42
